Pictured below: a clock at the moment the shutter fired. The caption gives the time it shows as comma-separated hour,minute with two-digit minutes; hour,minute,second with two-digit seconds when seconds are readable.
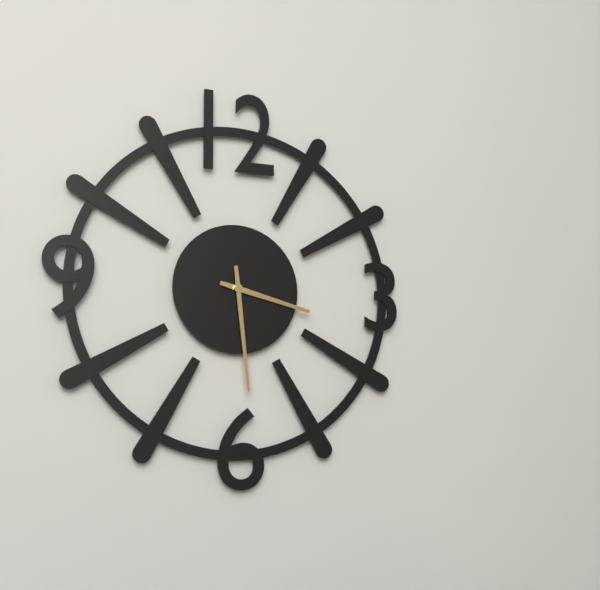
3,29
